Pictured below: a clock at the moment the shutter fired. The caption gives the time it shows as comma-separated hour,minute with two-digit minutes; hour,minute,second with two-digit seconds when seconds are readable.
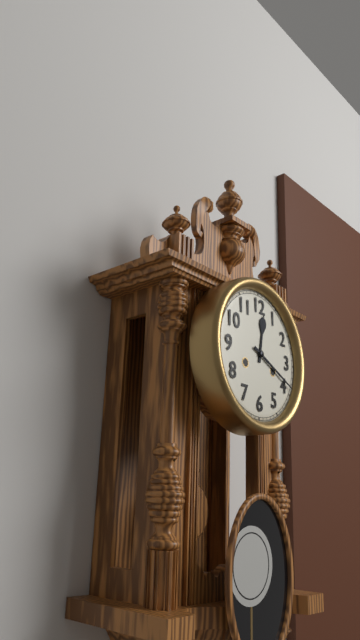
12,19
